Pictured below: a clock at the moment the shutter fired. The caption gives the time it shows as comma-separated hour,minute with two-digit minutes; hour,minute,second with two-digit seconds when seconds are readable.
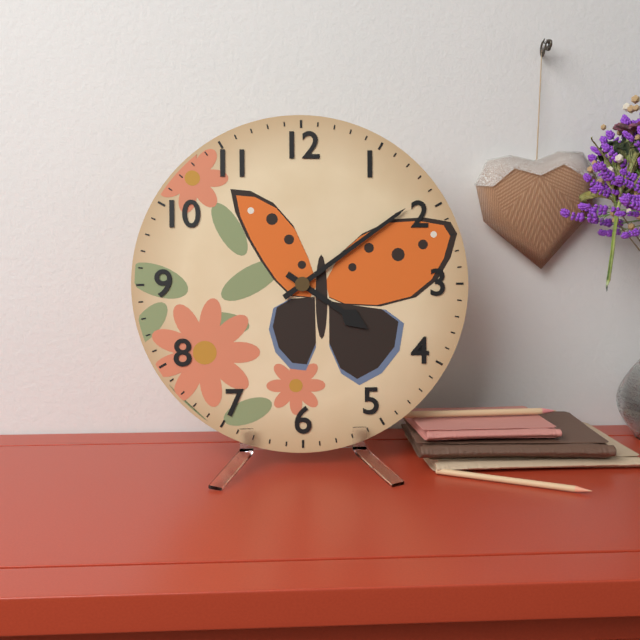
4,09
